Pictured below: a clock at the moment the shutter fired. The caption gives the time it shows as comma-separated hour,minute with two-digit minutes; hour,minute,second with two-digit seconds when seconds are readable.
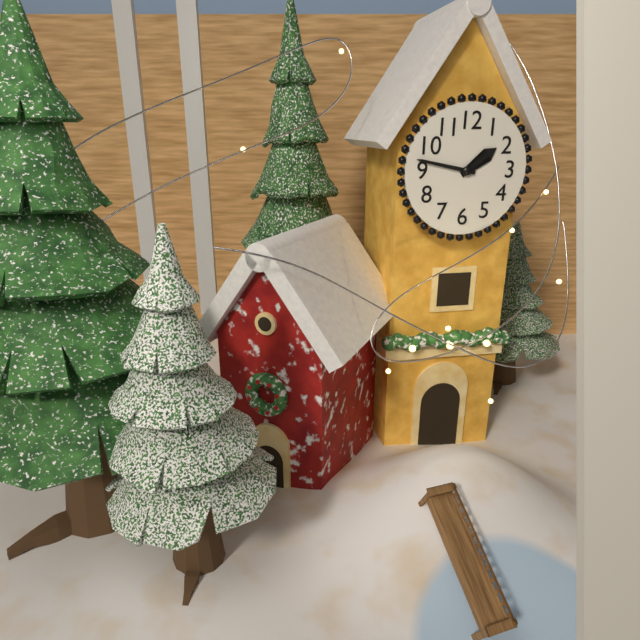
1,47
